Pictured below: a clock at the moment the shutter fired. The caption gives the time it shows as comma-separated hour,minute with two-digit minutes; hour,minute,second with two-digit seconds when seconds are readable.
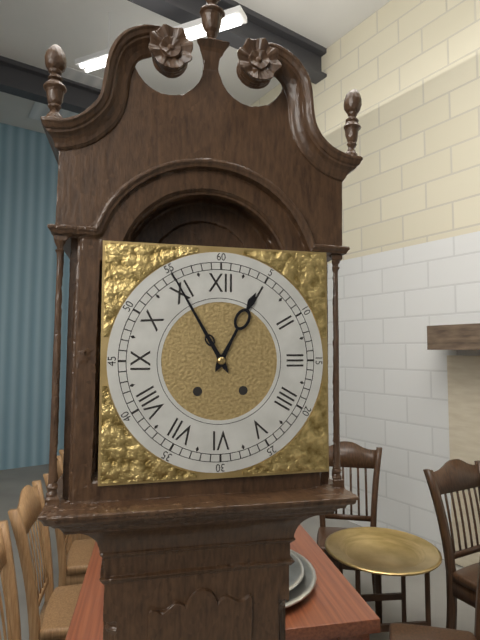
12,55
